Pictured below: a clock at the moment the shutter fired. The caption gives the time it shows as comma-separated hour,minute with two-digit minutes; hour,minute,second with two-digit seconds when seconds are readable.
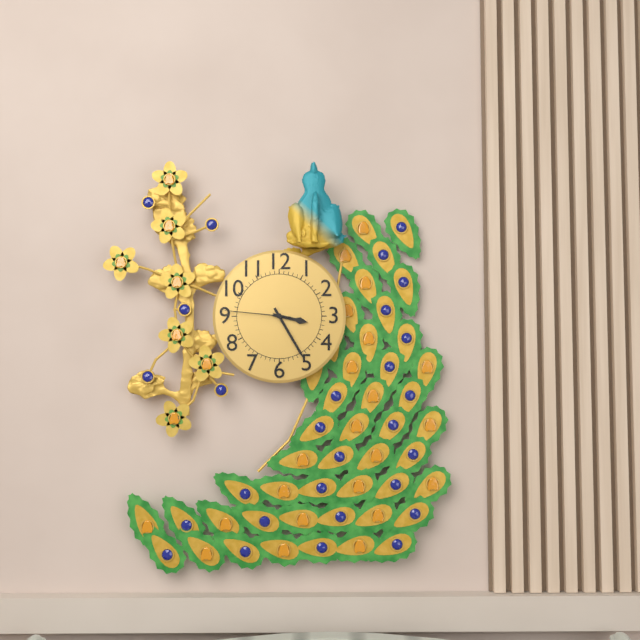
3,25,46
